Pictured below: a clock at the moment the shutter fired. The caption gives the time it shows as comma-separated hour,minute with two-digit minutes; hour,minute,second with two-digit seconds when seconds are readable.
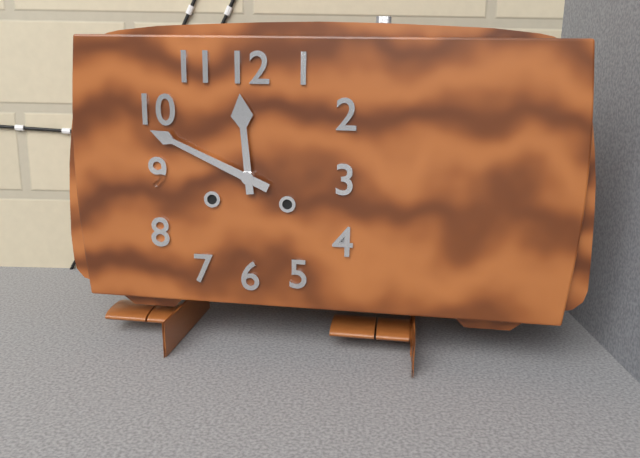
11,49
